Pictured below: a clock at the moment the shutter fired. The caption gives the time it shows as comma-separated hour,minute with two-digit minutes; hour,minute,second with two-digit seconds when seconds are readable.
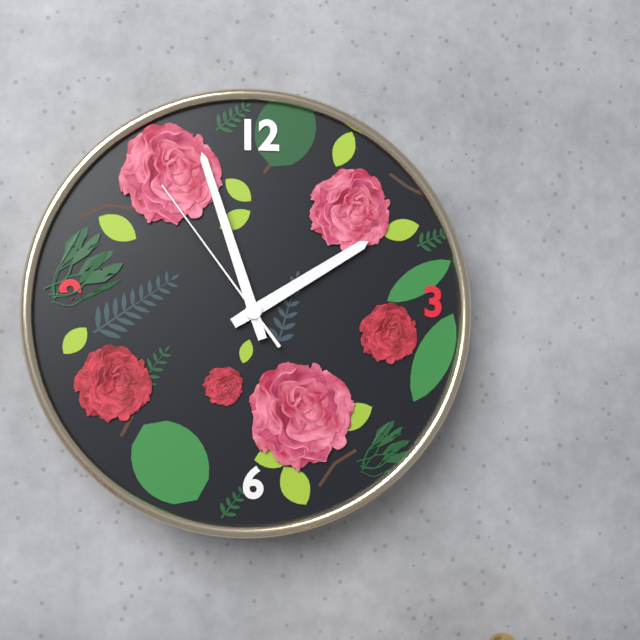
1,57,54
